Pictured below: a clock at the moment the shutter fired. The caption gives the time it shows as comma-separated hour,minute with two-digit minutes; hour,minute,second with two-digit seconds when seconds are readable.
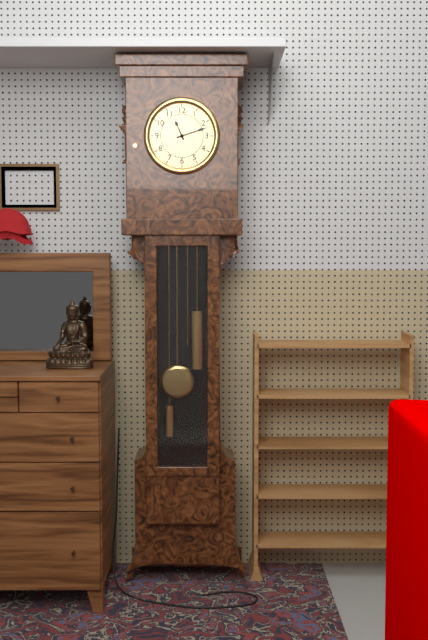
11,12
